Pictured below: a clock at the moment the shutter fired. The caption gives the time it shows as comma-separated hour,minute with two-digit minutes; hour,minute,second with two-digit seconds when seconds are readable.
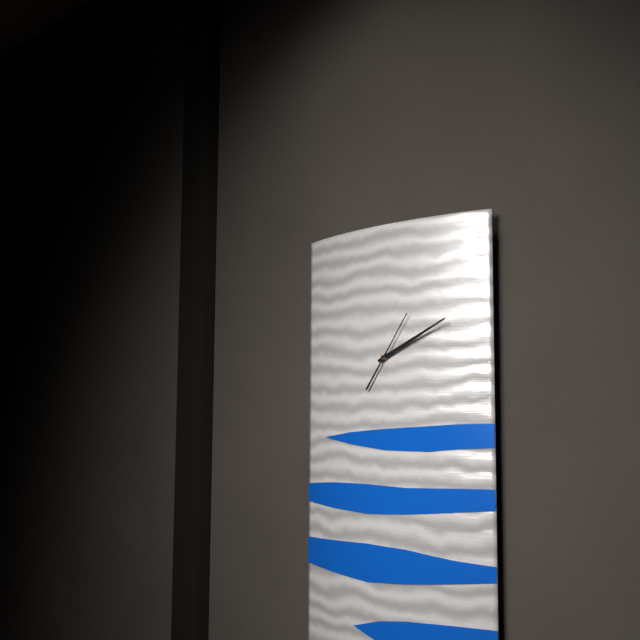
2,11,06
